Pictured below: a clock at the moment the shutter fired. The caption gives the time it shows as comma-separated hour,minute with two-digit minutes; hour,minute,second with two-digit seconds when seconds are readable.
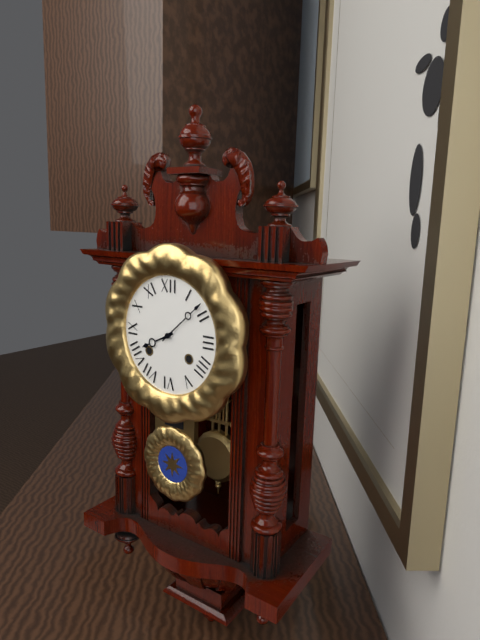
8,08
